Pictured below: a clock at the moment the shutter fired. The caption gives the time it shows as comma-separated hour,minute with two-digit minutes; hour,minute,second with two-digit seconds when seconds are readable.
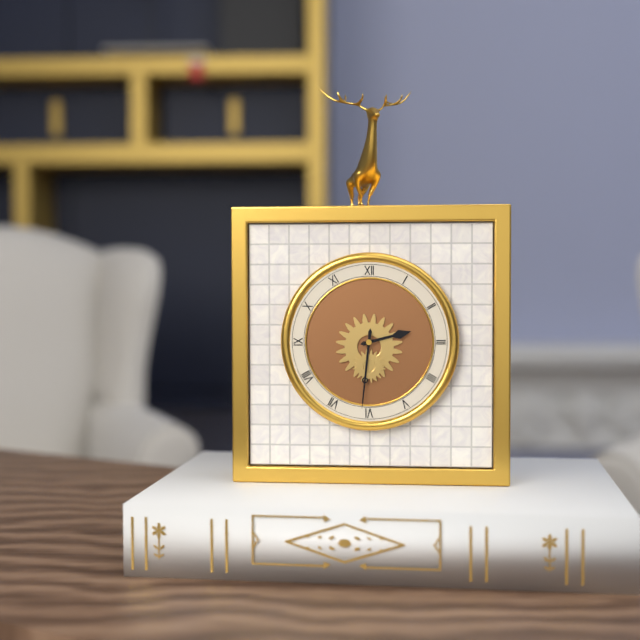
2,31
